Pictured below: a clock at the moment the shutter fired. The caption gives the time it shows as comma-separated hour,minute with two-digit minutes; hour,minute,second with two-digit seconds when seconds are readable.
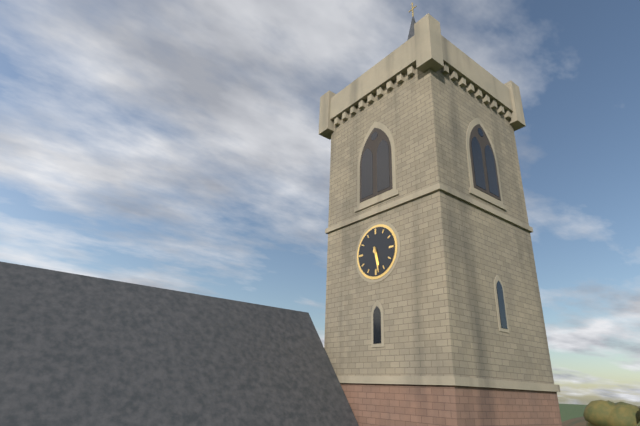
5,28
